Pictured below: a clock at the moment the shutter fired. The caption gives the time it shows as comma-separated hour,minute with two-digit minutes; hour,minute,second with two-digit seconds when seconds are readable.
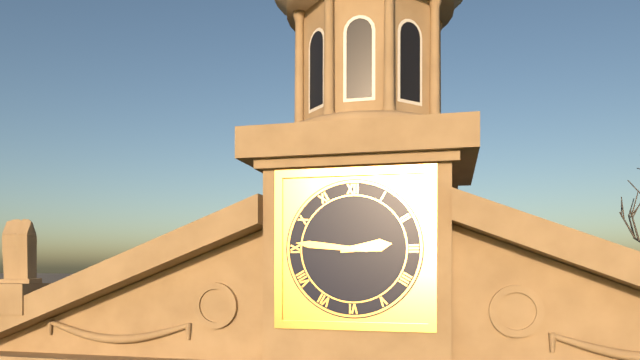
2,46
